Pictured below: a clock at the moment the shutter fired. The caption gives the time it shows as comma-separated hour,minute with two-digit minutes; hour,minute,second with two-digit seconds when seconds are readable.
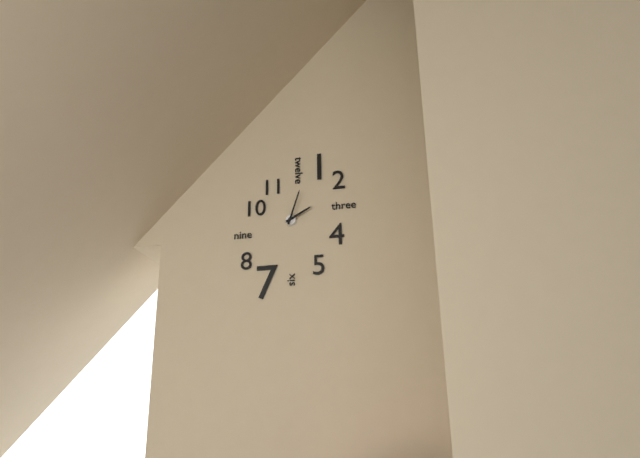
2,03
